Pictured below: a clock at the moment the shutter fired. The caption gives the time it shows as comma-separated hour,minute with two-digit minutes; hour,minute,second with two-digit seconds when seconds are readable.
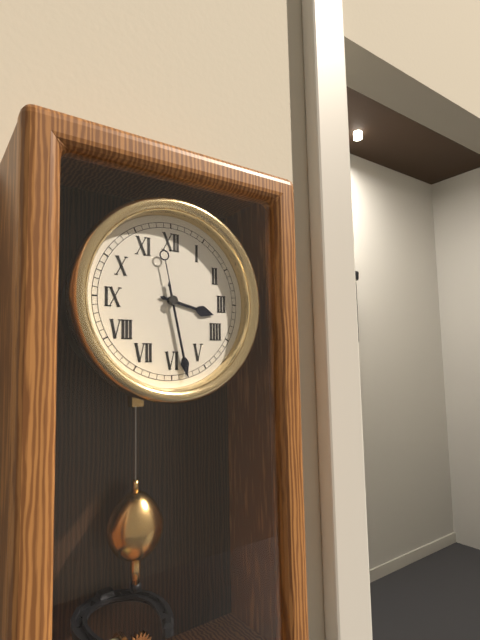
3,28,28
